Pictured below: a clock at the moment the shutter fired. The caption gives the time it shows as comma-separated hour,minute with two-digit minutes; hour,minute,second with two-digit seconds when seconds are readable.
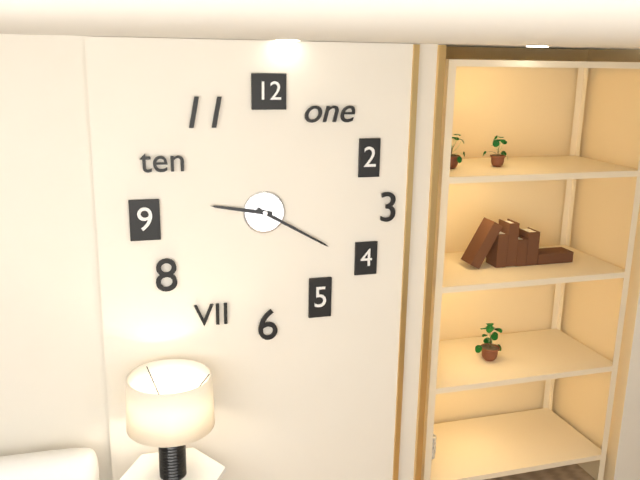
9,20
